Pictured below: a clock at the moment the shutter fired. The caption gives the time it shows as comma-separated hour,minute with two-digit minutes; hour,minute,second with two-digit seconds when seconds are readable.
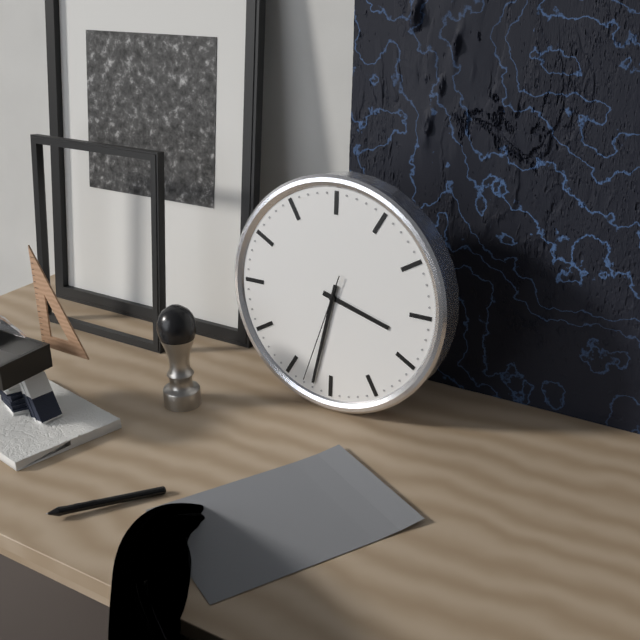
3,32,33
